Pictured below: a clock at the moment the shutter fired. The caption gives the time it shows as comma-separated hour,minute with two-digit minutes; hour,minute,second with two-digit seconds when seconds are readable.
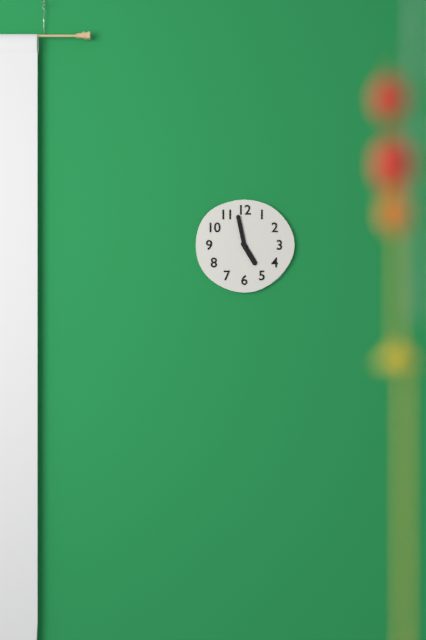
4,58
